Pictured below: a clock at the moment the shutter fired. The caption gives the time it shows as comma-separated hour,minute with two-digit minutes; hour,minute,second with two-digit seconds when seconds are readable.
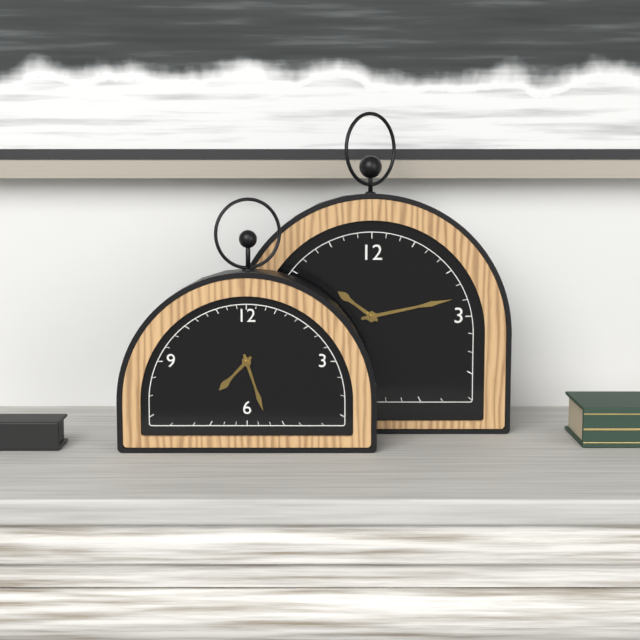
7,27
